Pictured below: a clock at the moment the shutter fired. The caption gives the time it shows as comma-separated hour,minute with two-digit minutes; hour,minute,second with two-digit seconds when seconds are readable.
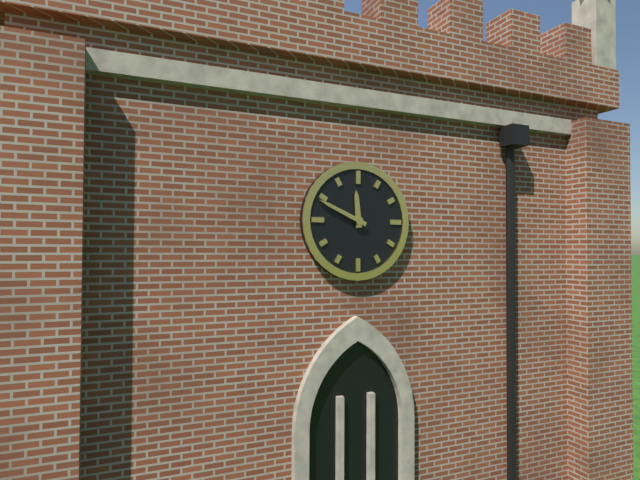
11,49
